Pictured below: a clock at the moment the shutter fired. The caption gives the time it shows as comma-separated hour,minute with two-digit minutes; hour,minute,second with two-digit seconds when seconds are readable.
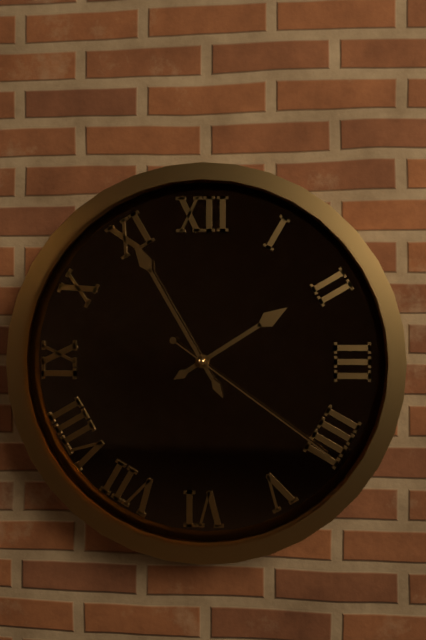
1,55,21
